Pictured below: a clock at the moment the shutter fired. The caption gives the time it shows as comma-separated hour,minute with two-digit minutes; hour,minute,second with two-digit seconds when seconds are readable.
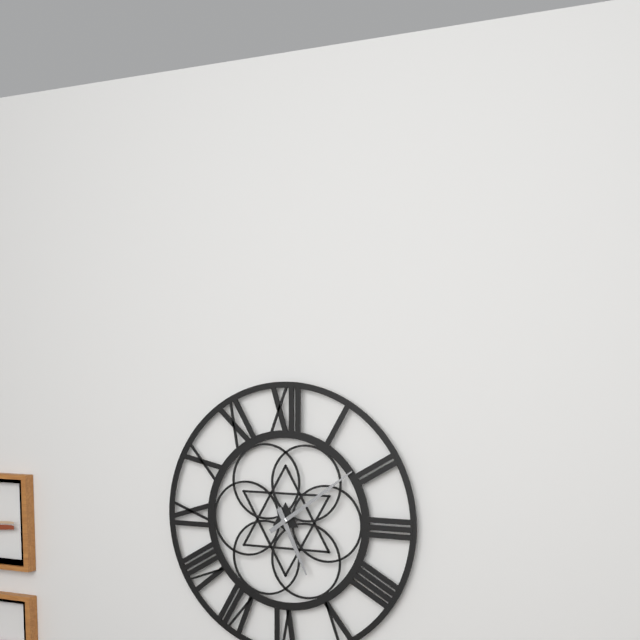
5,09
